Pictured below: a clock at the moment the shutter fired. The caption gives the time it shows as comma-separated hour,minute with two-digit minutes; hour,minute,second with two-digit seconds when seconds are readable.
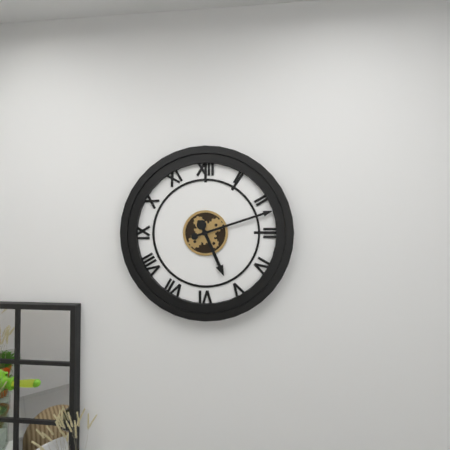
5,12
